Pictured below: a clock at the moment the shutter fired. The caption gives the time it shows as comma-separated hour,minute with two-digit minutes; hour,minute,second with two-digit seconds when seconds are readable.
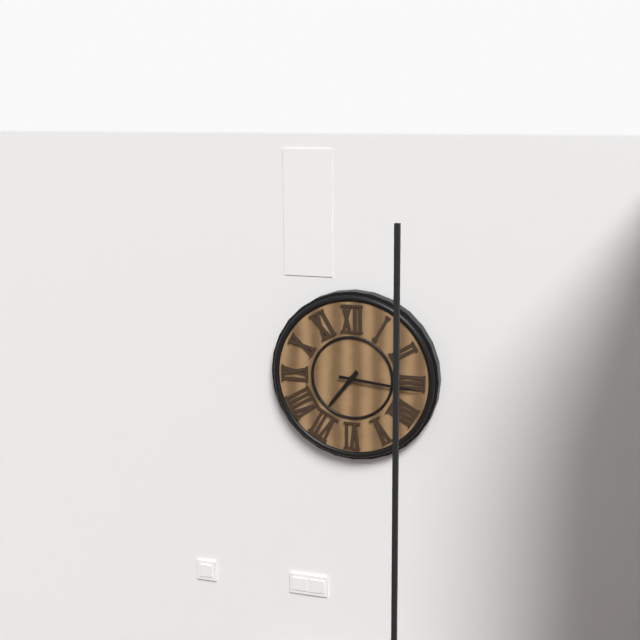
7,16
